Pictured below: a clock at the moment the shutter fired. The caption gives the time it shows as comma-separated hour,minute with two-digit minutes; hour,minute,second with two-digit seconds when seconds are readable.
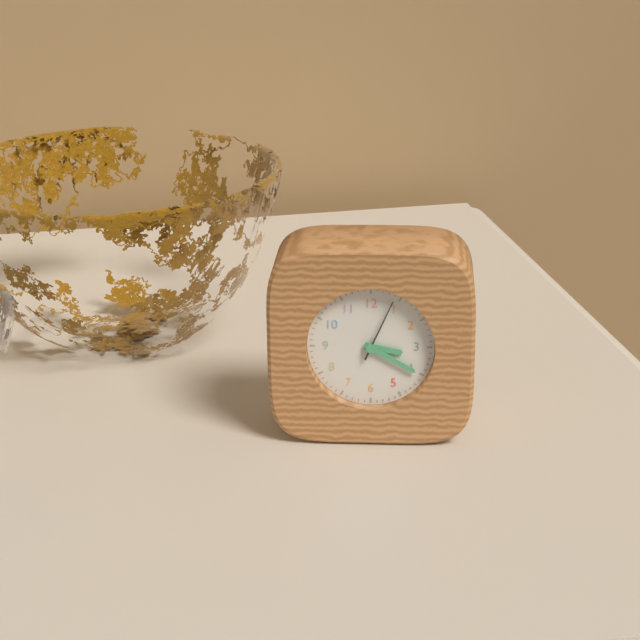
3,20,04
